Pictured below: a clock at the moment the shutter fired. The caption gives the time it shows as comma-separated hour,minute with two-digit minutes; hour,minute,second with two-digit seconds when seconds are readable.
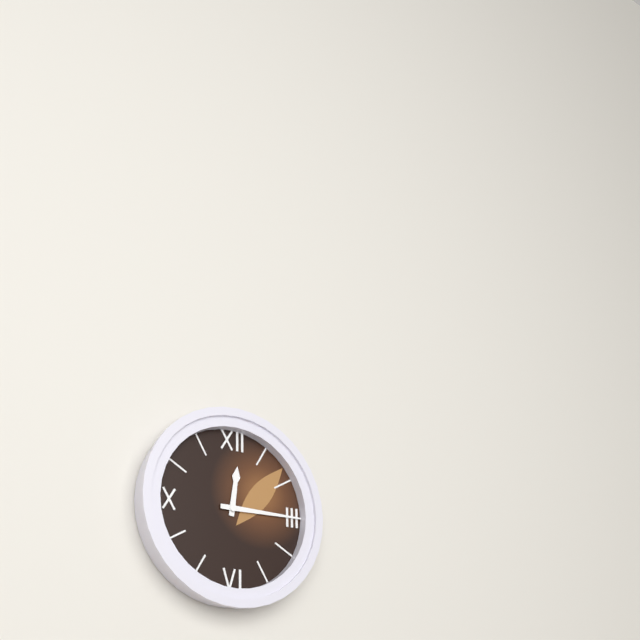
12,15
